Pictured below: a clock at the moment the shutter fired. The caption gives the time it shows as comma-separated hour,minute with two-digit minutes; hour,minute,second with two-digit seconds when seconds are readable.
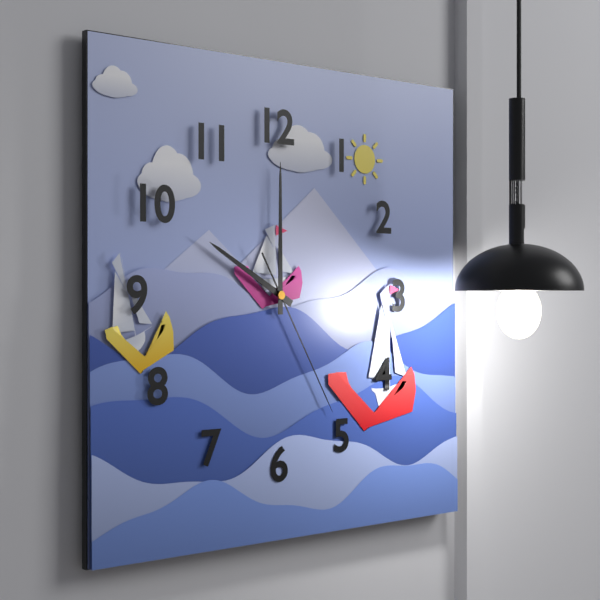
10,00,25
